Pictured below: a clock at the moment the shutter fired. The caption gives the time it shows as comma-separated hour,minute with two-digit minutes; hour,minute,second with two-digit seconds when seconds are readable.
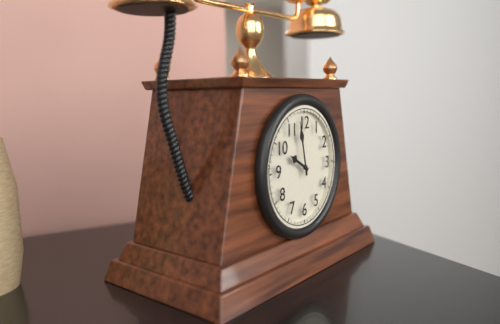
9,58
